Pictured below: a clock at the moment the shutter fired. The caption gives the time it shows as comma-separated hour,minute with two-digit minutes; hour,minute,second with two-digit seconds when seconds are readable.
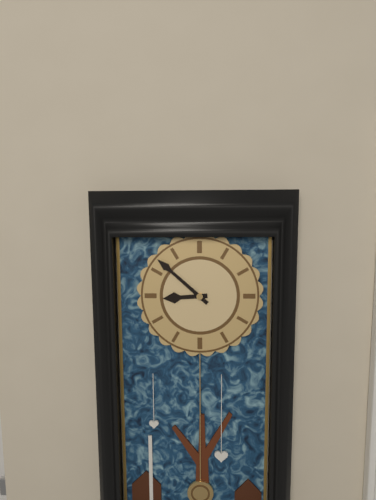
8,52
